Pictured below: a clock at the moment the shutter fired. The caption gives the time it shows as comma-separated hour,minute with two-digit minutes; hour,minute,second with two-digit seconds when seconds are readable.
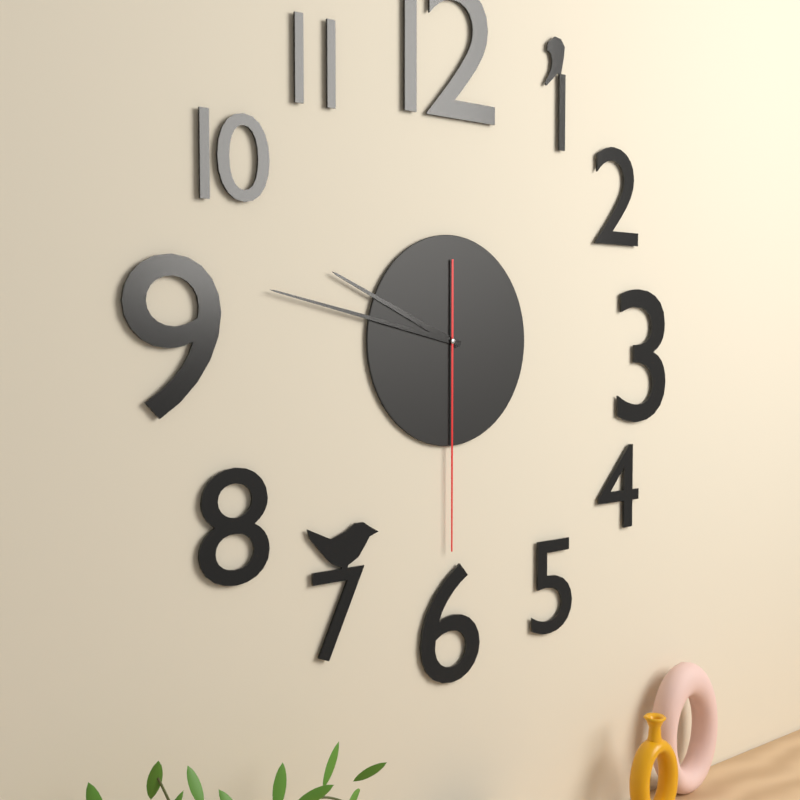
9,47,30
